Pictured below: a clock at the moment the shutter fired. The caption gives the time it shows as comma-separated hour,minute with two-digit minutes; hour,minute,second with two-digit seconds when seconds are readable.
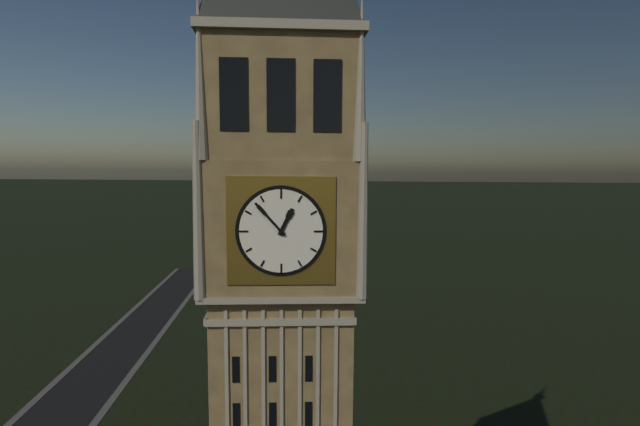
12,53
